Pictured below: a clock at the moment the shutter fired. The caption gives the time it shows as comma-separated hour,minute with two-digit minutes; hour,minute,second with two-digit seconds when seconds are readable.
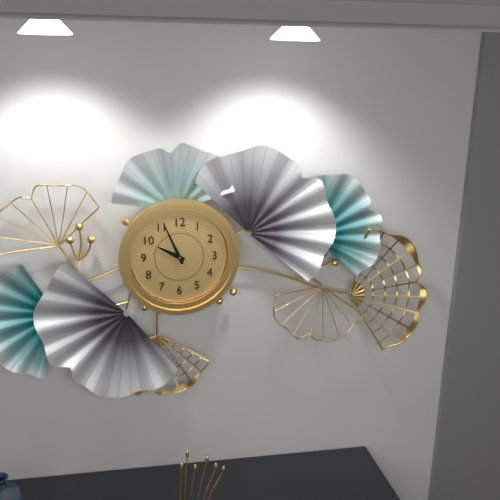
9,56
